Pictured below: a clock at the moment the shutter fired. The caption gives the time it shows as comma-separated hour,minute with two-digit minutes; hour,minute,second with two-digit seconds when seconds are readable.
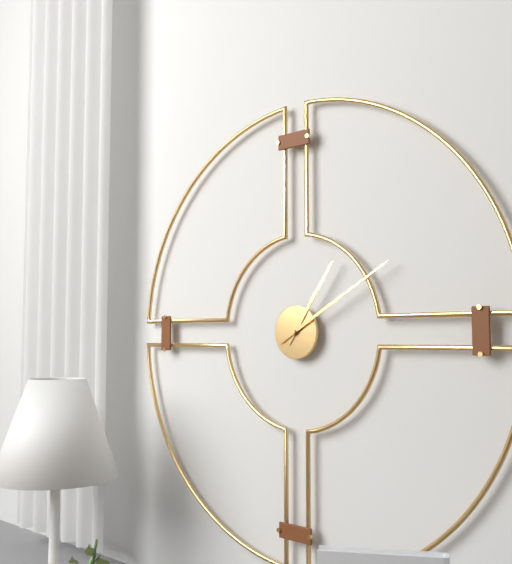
1,10
